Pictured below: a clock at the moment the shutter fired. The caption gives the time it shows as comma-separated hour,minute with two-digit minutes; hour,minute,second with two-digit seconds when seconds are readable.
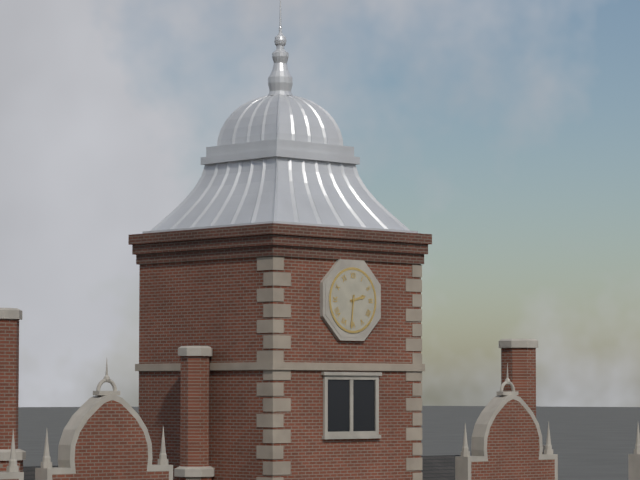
2,31
